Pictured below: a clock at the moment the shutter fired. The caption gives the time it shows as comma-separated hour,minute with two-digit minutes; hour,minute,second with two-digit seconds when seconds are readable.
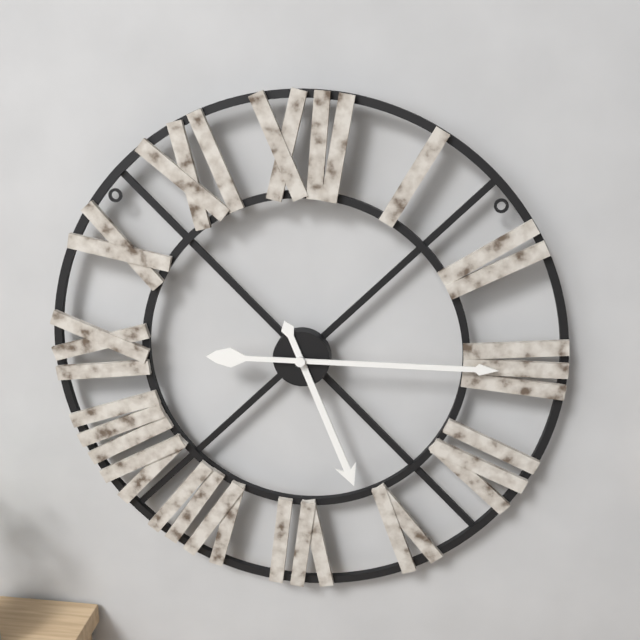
5,15
